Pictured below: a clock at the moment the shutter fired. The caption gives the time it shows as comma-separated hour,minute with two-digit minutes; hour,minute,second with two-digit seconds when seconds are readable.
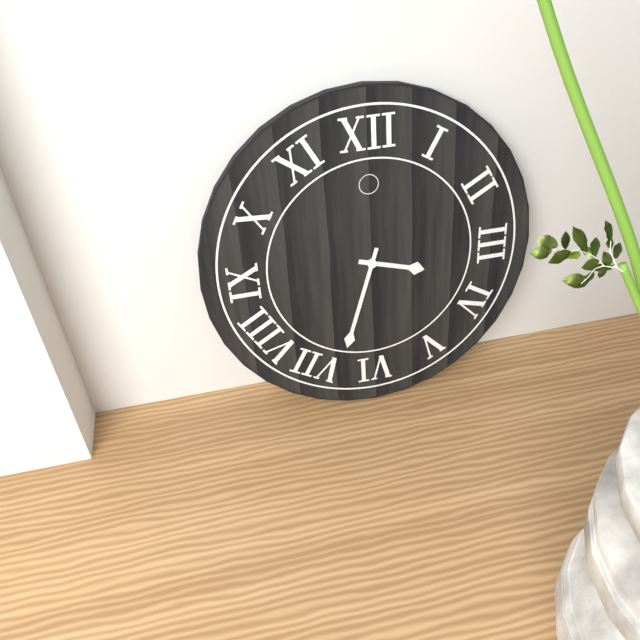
3,33
